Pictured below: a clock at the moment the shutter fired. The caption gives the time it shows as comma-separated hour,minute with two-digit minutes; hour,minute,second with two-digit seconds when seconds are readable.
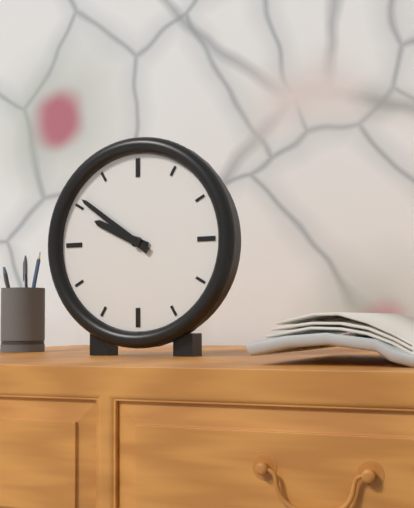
9,51
